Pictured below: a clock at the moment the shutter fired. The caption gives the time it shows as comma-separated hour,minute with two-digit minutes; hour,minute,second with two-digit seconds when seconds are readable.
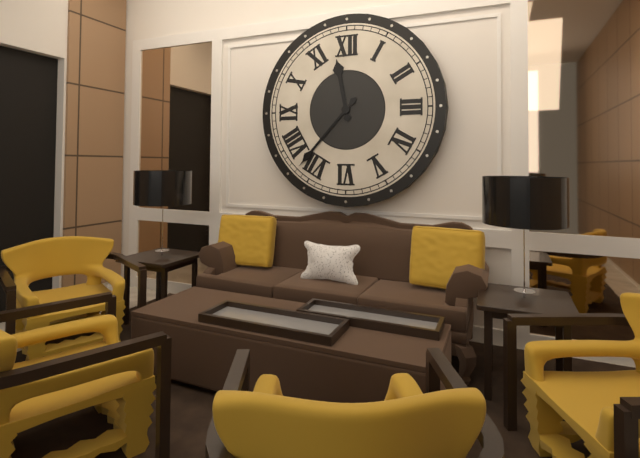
11,37
